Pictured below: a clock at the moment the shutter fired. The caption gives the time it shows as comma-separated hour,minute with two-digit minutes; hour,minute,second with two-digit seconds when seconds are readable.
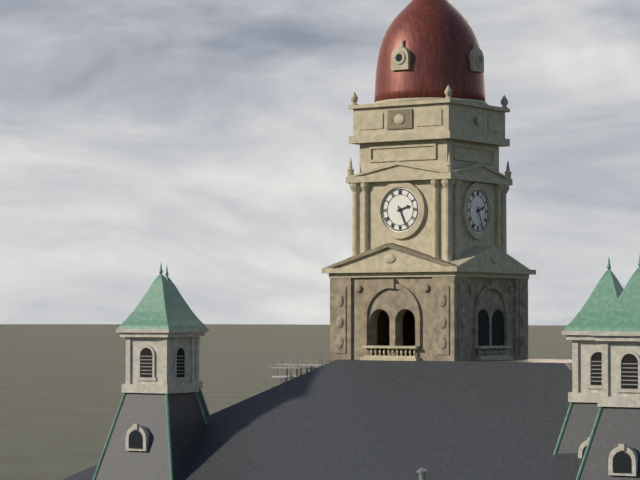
2,26
